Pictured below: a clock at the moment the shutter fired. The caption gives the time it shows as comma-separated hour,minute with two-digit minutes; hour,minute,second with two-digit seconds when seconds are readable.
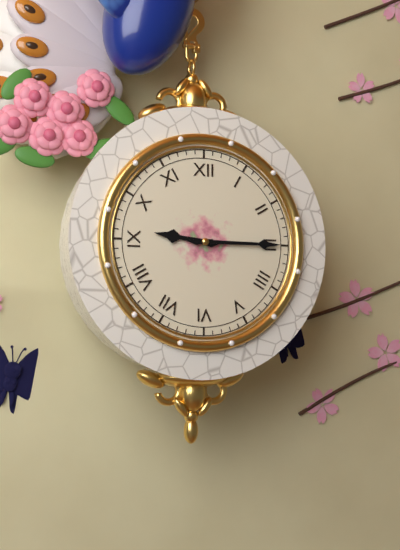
9,15
